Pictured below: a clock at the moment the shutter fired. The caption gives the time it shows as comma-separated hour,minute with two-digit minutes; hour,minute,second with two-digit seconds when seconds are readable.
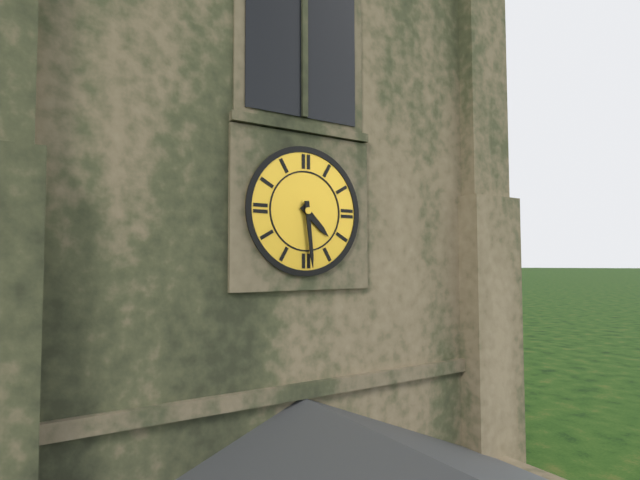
4,29
